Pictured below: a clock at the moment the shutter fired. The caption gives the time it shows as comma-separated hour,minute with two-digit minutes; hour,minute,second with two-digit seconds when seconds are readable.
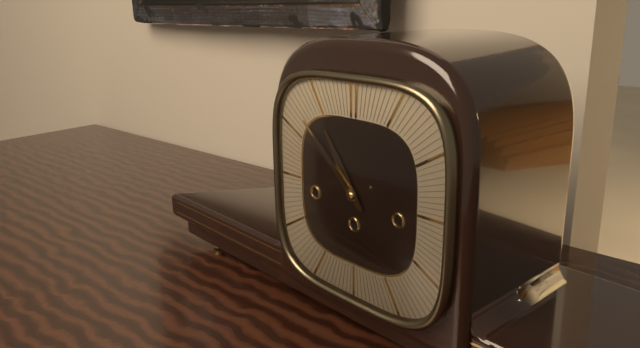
10,52
